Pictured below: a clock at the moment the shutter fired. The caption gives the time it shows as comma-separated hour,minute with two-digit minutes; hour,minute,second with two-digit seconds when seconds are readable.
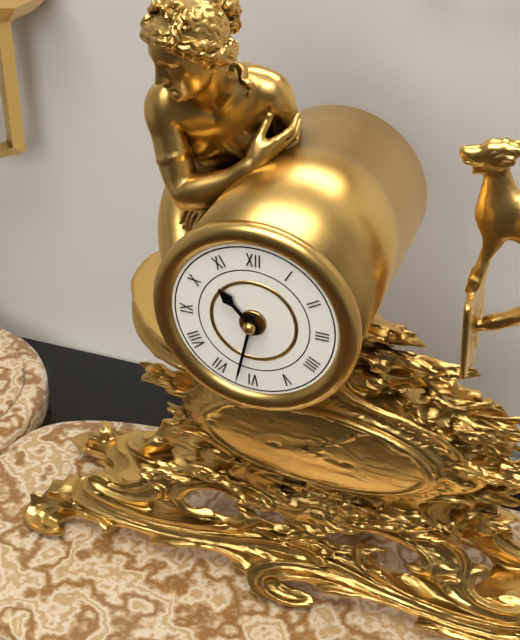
10,32
